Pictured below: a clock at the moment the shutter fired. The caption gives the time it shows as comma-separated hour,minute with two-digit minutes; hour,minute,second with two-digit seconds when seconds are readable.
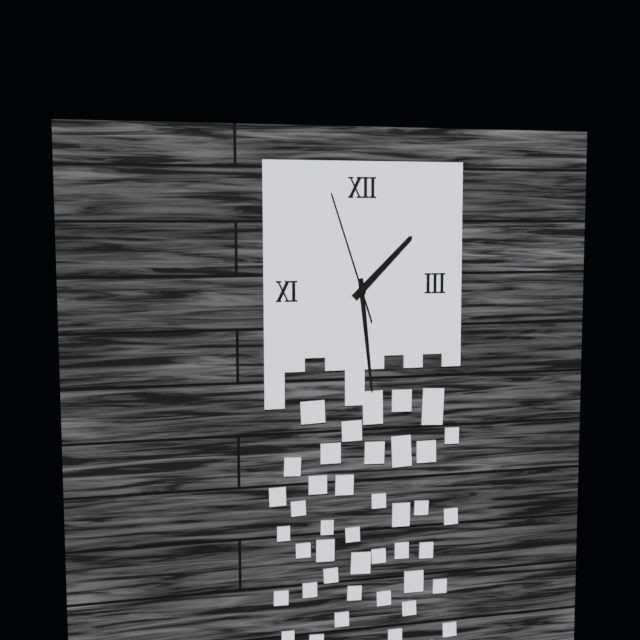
1,29,57
